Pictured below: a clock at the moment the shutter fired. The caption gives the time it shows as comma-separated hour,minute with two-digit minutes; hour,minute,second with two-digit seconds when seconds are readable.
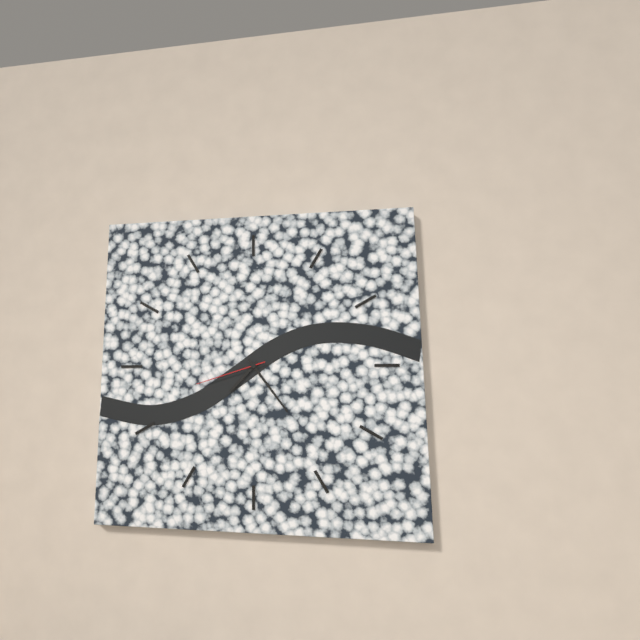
7,24,42
